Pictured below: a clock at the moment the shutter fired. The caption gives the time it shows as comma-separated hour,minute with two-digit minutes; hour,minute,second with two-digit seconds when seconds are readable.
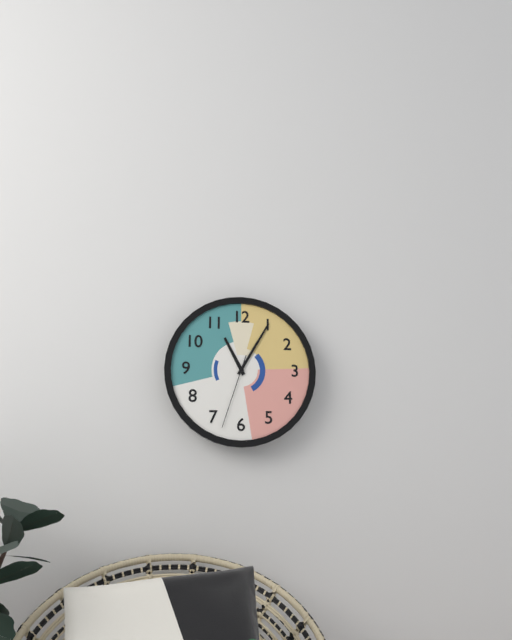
11,05,33
